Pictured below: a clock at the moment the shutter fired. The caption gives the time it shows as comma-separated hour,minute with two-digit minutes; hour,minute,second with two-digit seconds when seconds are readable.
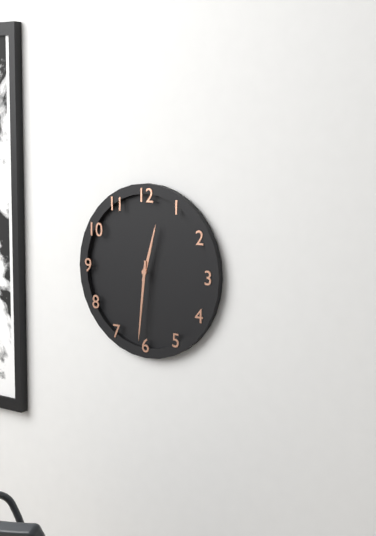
12,31
